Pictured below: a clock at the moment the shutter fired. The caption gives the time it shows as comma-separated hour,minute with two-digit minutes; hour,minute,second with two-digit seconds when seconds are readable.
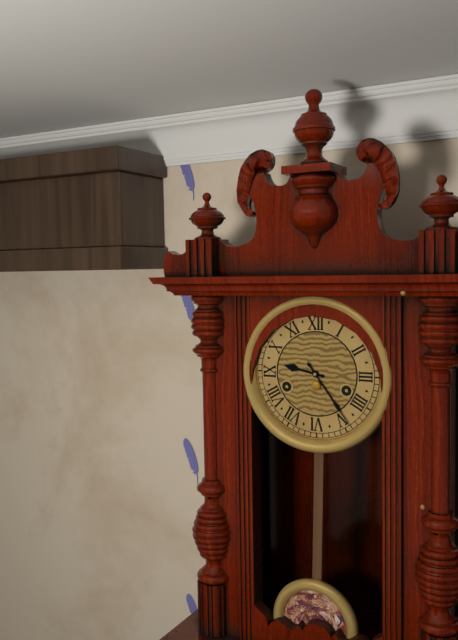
9,24
